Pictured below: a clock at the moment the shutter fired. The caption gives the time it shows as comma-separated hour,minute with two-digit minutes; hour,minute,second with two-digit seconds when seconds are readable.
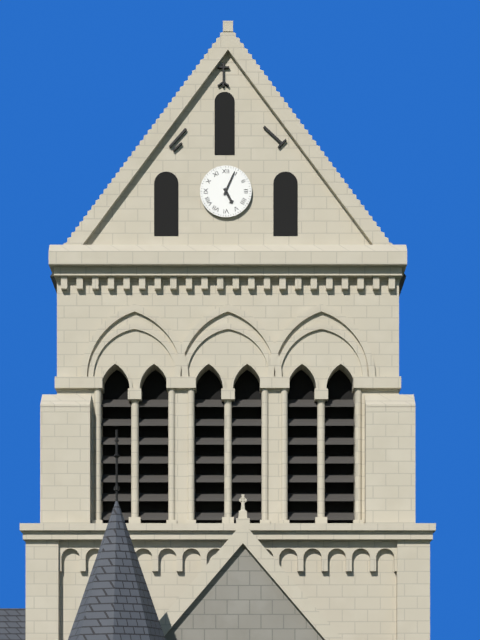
5,04
